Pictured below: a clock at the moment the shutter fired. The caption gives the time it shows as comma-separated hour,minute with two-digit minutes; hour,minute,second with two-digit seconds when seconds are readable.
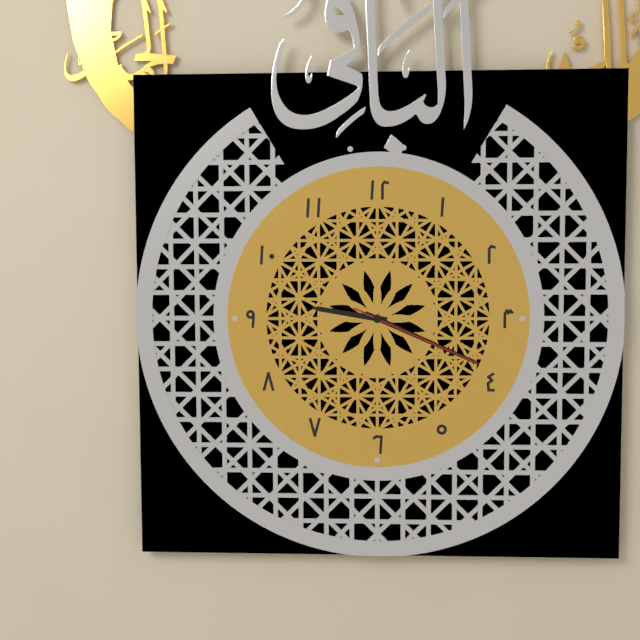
9,19,19
